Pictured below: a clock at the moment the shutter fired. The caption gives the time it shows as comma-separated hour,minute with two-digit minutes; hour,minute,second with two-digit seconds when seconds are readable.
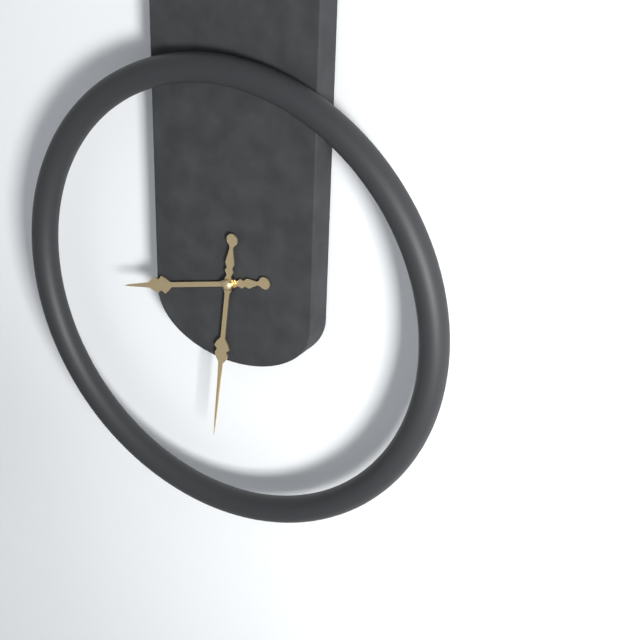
8,31
